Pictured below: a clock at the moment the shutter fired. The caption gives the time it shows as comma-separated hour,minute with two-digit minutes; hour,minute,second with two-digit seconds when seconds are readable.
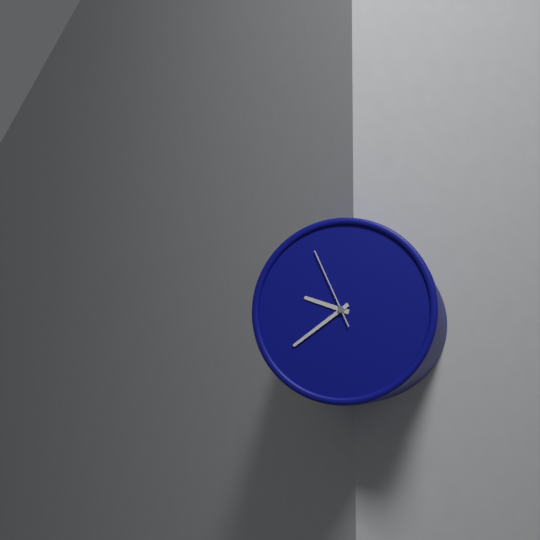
9,39,56
